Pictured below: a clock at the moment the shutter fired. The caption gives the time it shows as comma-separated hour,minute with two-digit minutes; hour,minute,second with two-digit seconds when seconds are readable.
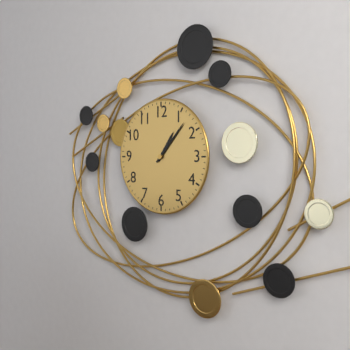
1,07
